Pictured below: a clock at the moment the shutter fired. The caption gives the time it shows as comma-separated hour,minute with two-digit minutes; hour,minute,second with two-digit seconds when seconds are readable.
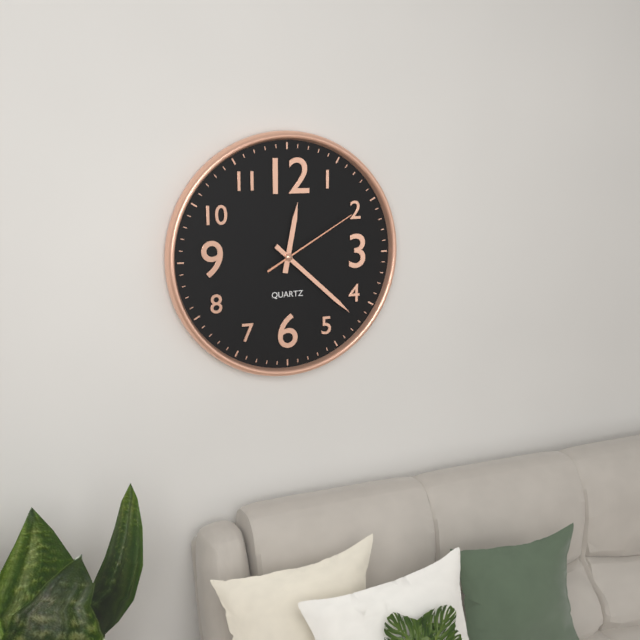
12,22,10
